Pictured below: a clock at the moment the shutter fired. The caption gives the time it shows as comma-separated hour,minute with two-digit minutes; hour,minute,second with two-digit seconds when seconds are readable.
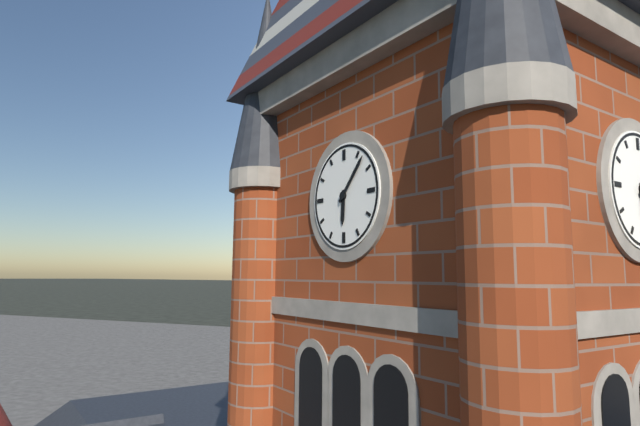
6,07
